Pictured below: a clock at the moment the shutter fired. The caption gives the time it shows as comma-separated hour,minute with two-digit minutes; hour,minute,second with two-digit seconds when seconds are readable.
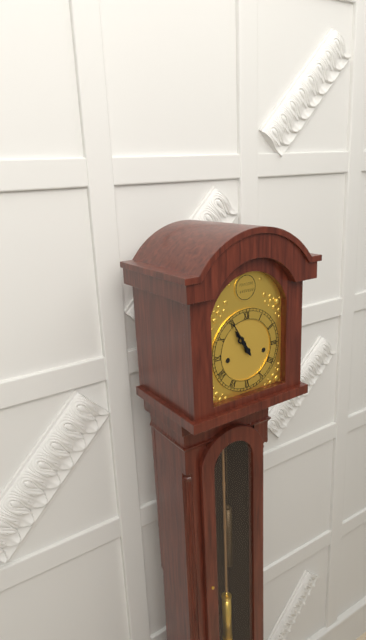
10,55
